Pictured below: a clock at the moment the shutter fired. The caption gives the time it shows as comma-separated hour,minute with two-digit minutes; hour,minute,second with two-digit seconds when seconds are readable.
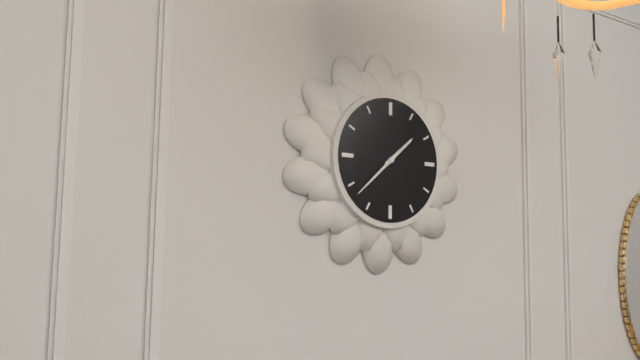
1,38
